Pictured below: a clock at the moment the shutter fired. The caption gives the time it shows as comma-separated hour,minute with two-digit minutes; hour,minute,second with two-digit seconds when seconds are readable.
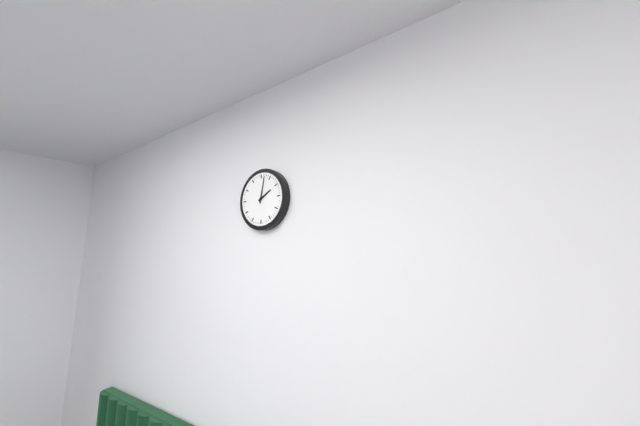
2,02
